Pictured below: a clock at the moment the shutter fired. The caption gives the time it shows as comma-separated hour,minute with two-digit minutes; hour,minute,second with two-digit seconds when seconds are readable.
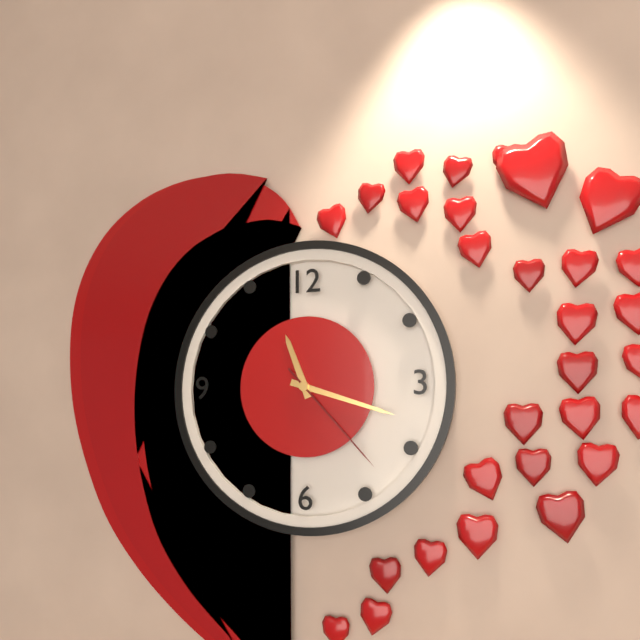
11,18,23
